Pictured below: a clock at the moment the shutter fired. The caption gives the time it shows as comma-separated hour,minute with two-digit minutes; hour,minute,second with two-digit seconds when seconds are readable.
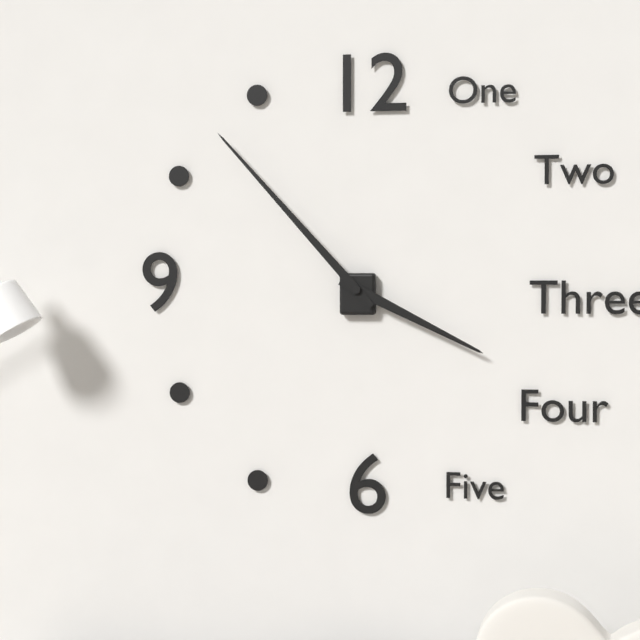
3,53
